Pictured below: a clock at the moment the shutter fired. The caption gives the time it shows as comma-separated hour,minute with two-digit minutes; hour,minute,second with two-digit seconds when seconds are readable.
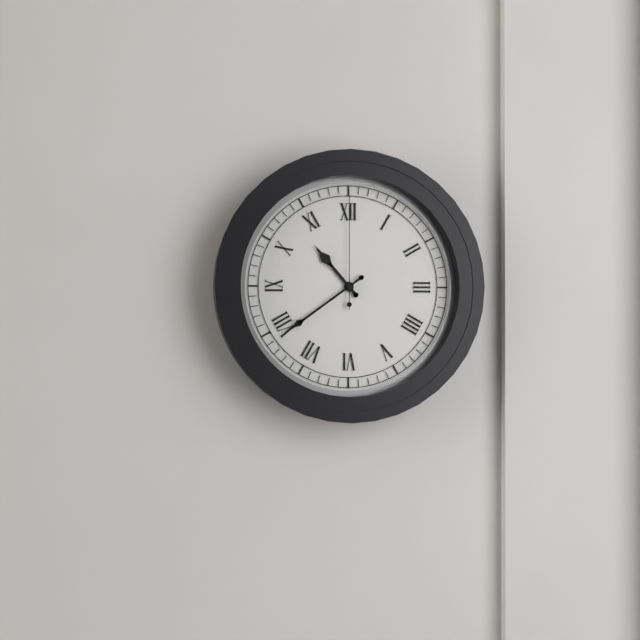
10,39,00
